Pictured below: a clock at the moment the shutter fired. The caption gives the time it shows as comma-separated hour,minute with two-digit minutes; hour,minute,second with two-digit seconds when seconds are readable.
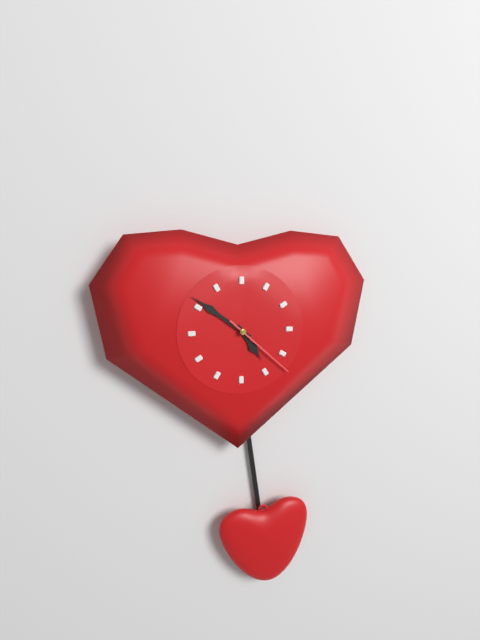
4,51,22
